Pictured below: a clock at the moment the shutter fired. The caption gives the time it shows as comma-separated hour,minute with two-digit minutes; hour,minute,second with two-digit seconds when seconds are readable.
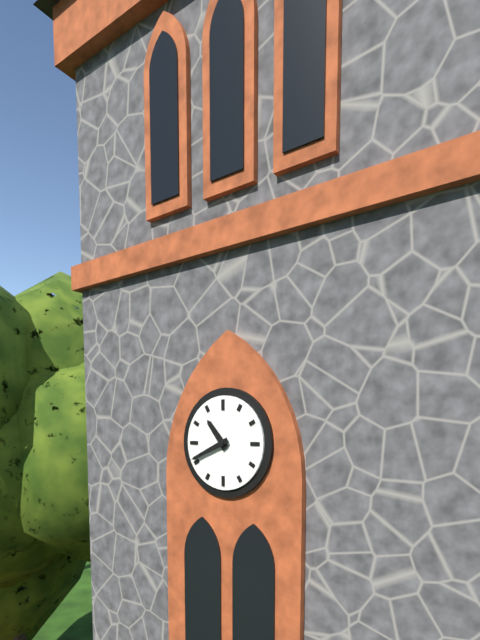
10,41
